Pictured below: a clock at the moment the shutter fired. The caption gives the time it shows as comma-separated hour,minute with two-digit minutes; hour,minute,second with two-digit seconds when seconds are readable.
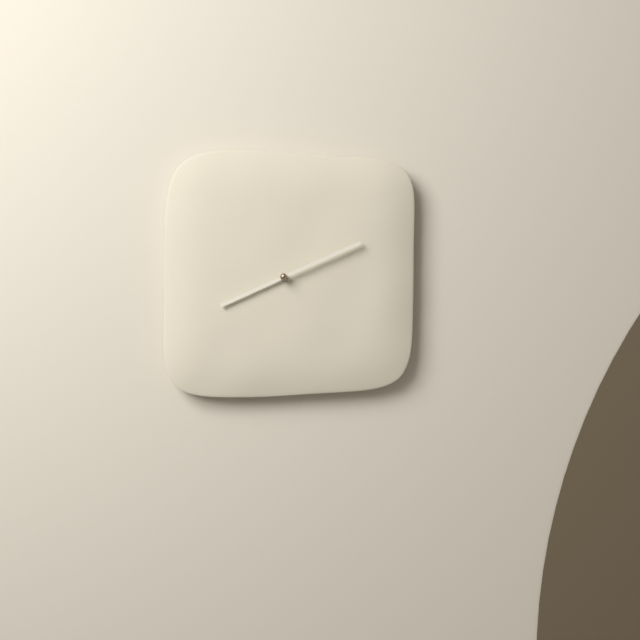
8,11
